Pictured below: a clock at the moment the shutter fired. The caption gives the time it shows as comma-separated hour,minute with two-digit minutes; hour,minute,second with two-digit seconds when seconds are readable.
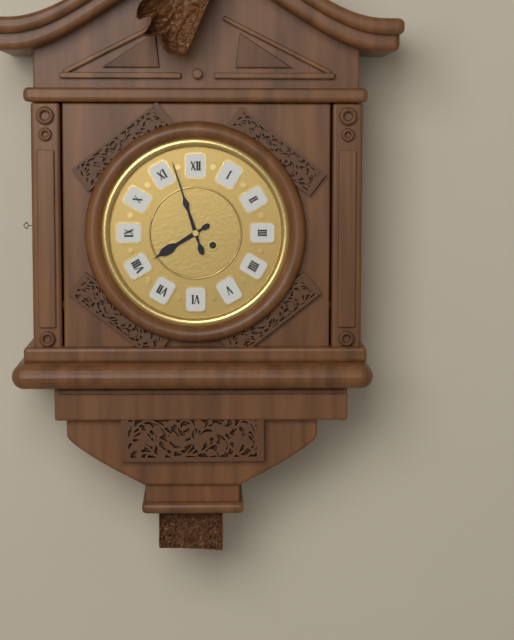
7,57
